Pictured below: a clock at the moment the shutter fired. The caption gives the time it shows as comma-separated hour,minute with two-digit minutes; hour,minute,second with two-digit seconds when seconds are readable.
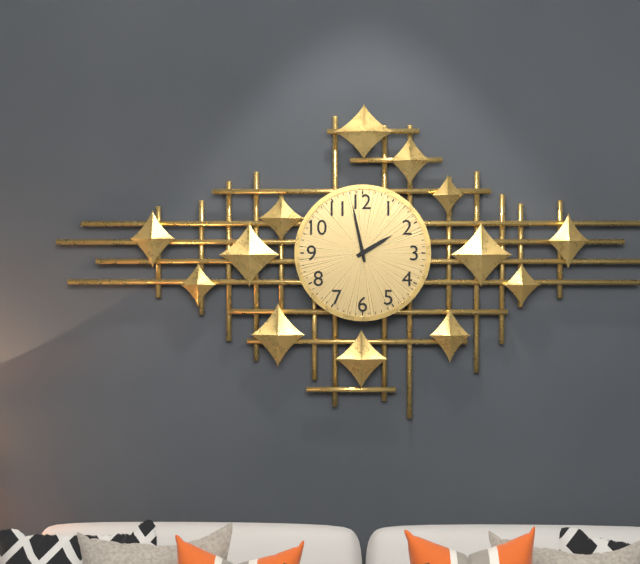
1,58
